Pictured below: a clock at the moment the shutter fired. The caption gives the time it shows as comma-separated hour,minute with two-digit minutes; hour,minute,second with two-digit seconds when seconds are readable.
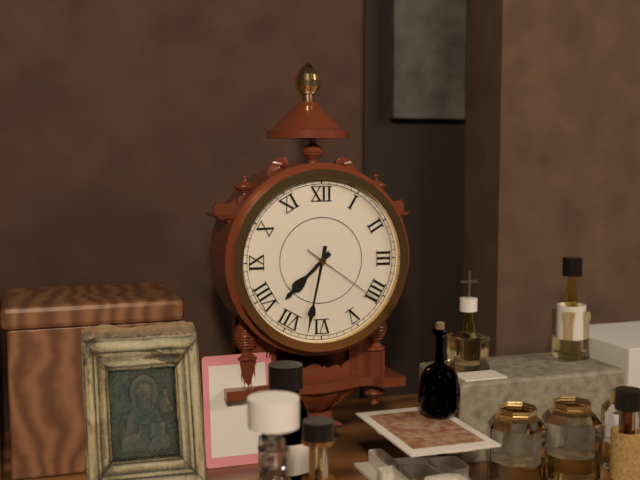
7,32,21
